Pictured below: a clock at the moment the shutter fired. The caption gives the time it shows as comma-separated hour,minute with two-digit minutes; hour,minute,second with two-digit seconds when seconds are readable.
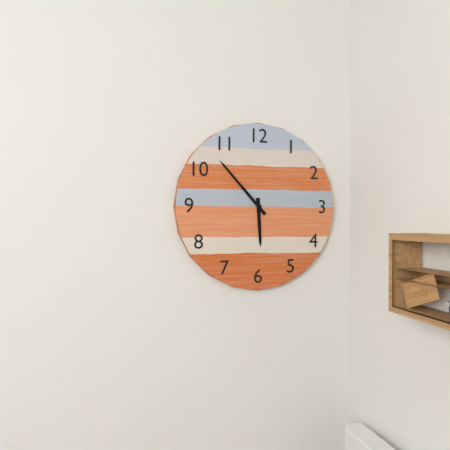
5,53
